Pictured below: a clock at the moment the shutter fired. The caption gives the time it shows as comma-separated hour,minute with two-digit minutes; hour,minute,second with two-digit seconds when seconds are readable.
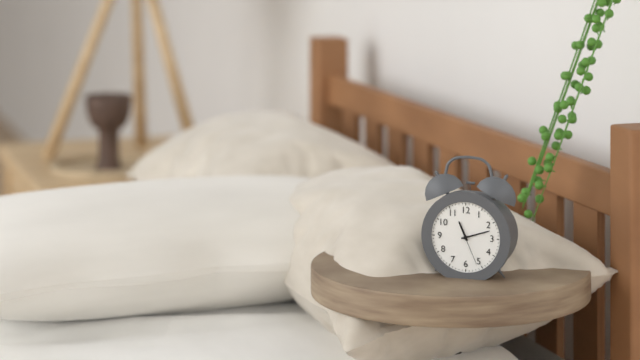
11,12
